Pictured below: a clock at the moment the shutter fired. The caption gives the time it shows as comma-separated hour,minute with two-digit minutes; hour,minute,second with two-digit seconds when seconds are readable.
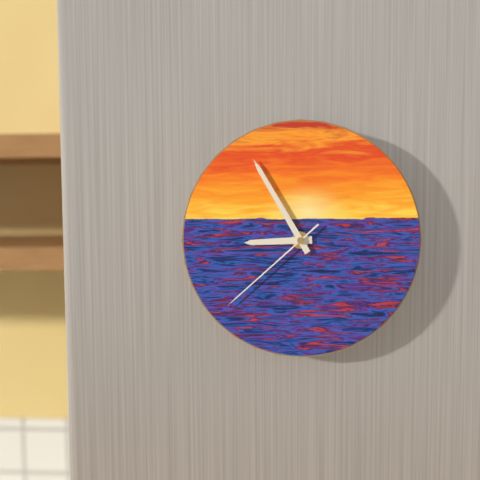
8,55,38
